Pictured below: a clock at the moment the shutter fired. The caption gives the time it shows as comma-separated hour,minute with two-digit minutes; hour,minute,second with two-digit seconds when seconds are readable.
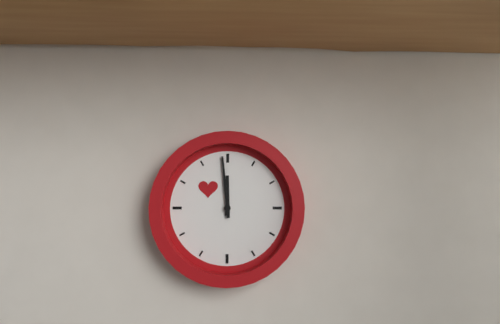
11,59
